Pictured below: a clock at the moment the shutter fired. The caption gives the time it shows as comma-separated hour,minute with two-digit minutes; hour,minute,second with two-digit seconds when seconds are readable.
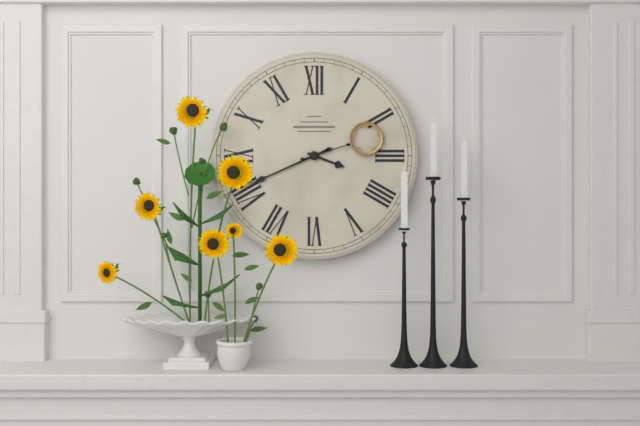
3,41,12
